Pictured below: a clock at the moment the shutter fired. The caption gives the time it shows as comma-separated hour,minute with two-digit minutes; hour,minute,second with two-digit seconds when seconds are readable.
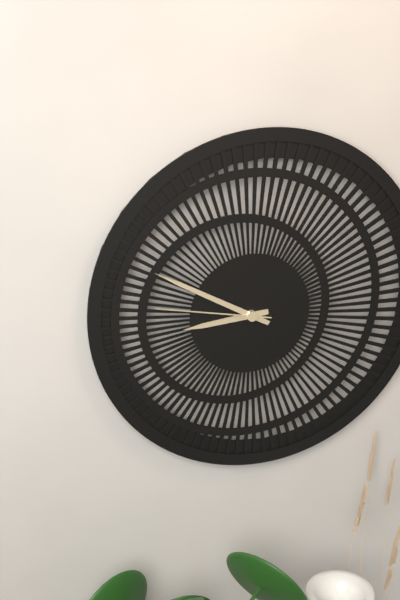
8,50,47
